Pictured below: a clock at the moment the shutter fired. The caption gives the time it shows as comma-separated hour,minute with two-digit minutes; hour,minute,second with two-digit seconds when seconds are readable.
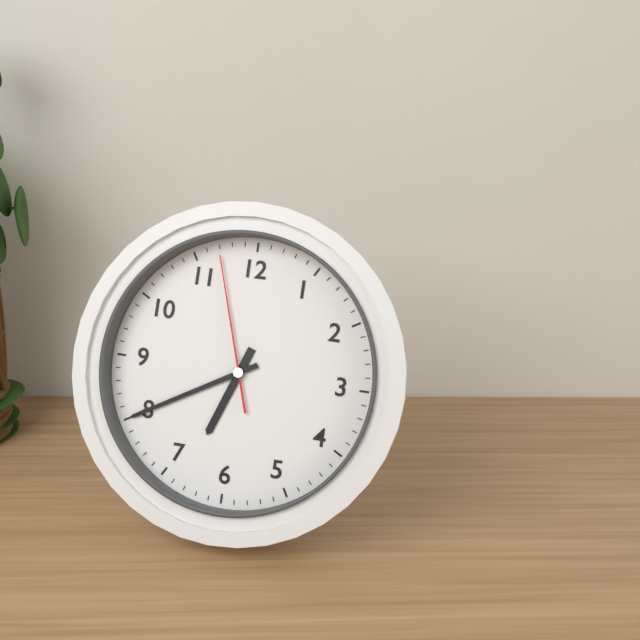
6,40,57
